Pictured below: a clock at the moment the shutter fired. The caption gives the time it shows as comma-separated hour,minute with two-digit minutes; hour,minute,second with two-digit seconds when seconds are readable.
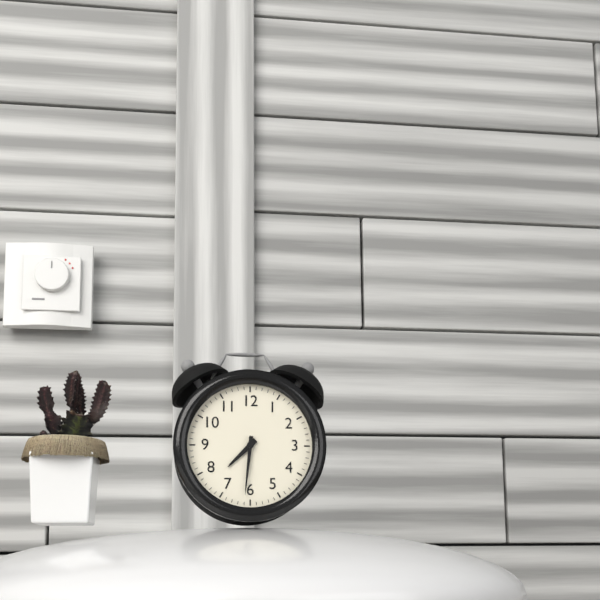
7,31
